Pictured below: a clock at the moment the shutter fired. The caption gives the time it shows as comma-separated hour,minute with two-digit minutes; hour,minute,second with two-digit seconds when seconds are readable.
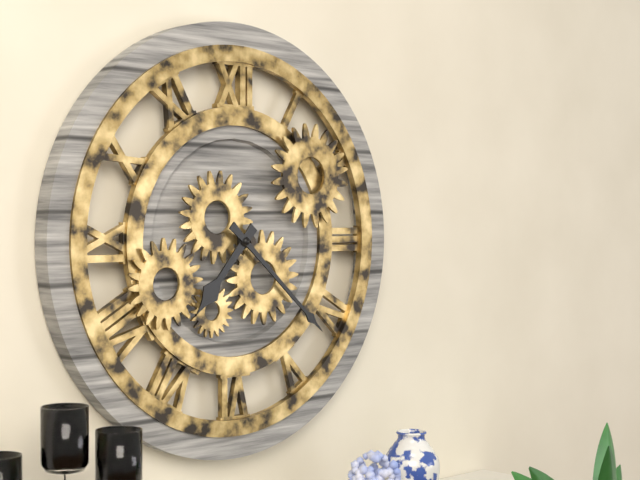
7,22
